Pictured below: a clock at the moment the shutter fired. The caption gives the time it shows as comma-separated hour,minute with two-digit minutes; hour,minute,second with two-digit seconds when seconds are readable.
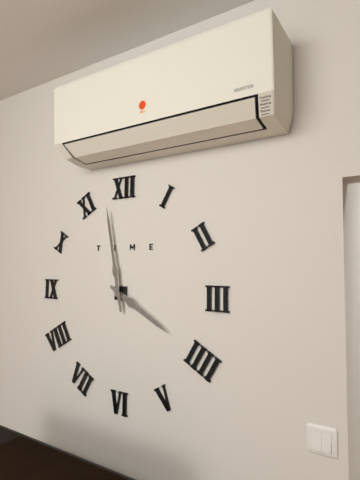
3,58
